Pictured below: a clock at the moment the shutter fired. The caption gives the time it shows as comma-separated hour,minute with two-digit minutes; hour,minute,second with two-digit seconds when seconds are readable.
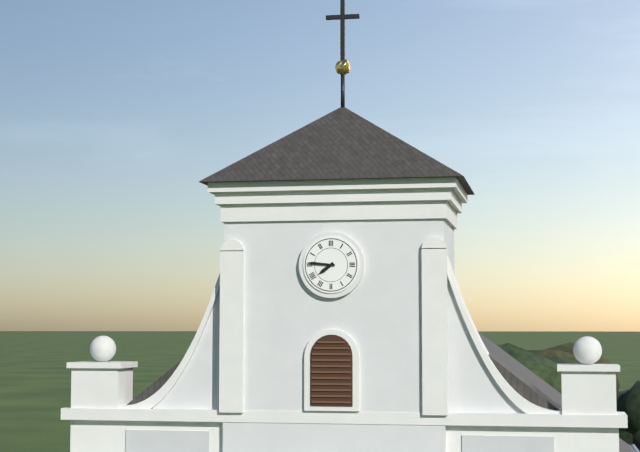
7,46
